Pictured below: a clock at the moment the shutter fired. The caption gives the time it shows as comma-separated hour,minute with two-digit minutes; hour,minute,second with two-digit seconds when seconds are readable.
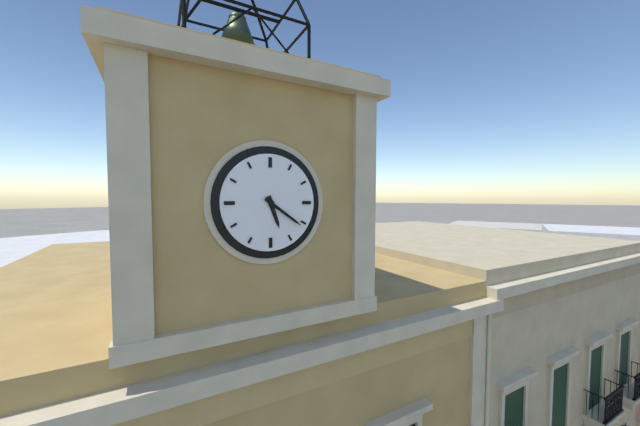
5,21
